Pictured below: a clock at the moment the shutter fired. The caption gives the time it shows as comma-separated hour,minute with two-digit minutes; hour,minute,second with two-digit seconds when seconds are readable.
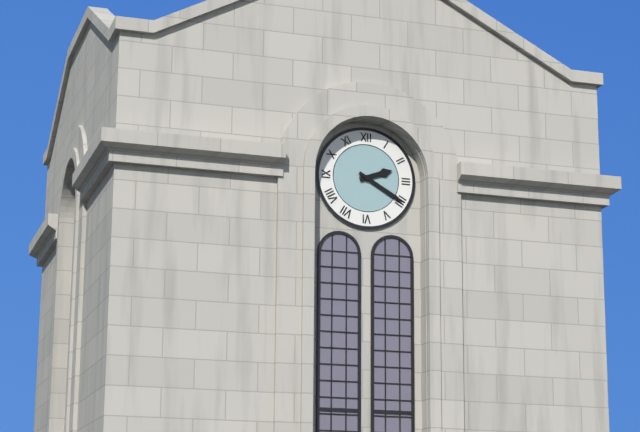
2,20
